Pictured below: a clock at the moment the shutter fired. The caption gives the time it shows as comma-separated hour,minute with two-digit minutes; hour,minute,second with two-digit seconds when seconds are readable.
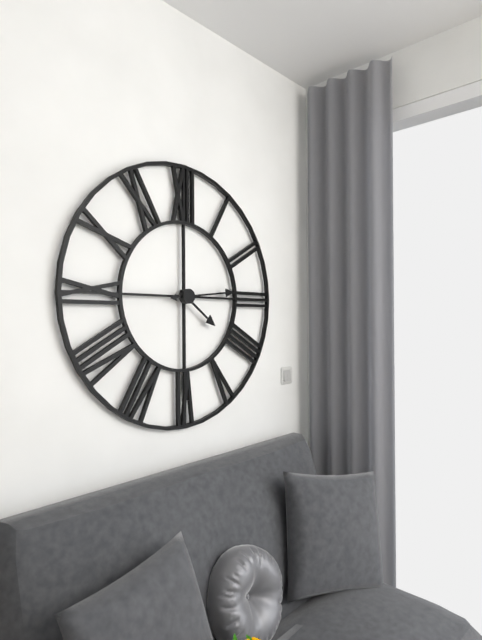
4,14
